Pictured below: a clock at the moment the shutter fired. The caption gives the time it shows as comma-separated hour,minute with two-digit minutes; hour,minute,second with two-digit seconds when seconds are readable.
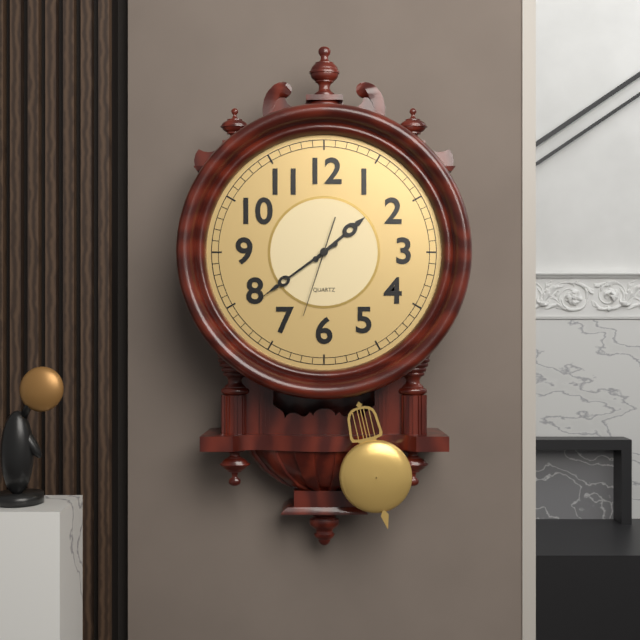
1,39,33
